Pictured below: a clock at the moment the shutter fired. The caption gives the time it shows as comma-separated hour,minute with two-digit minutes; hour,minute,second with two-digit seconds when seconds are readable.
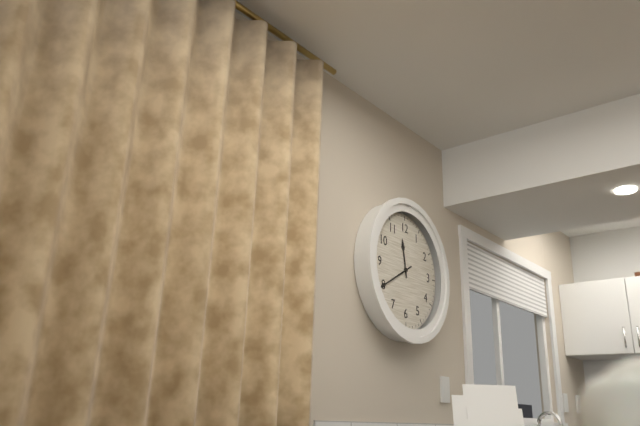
11,40
